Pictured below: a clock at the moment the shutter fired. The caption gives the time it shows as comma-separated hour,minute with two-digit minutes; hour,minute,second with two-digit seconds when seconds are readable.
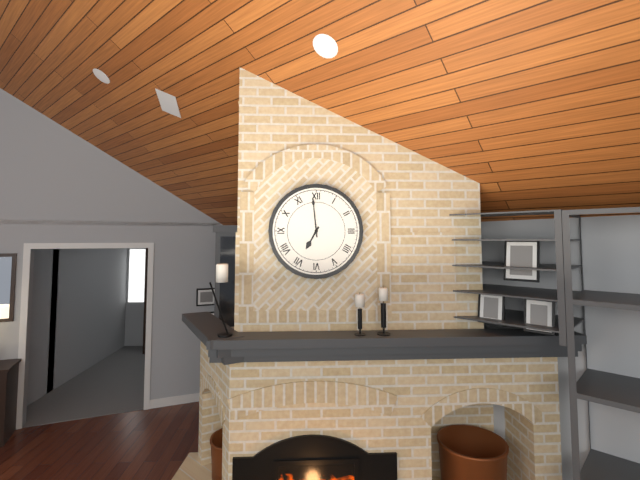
6,59
